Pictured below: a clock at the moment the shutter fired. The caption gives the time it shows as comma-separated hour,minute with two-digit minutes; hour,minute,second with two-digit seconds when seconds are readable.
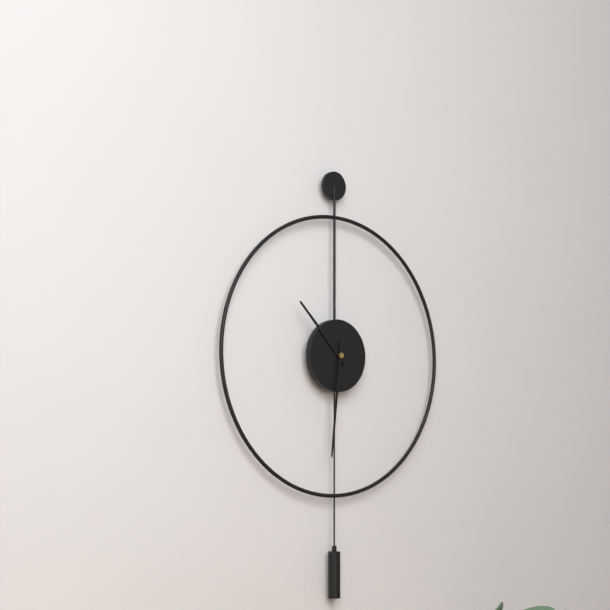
10,31
